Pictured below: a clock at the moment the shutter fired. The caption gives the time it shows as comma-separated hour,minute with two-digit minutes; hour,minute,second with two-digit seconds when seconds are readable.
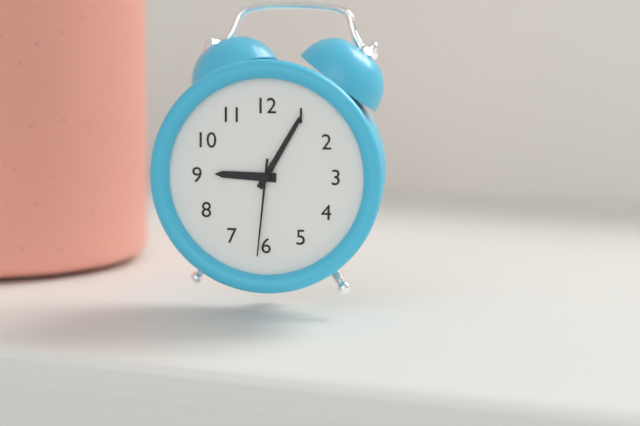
9,05,31
